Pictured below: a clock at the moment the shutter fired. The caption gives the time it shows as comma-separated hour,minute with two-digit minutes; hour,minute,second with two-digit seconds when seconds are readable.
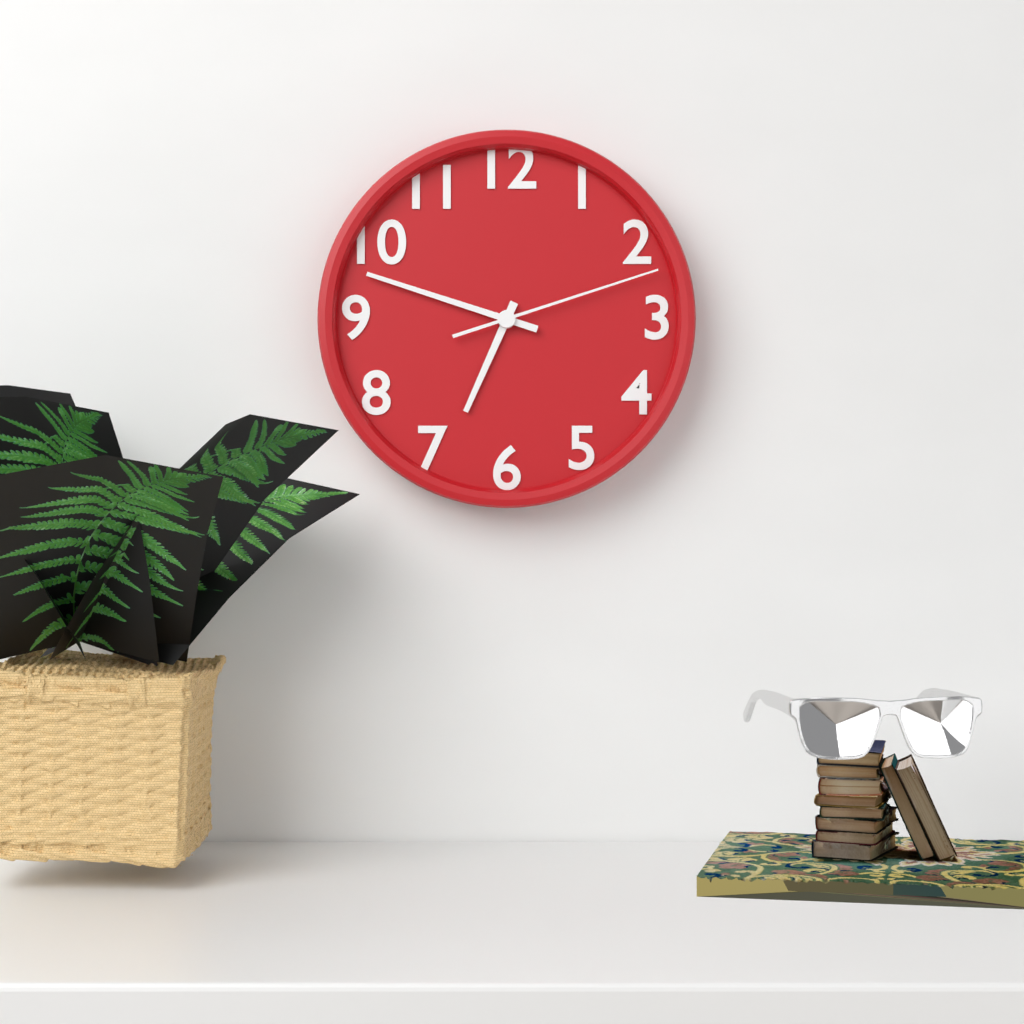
6,48,12
